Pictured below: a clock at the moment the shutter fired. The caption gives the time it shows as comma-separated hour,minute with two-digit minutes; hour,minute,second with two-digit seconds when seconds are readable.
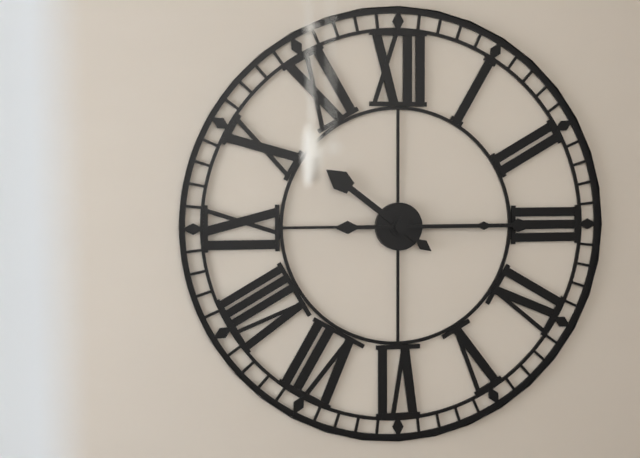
10,15
